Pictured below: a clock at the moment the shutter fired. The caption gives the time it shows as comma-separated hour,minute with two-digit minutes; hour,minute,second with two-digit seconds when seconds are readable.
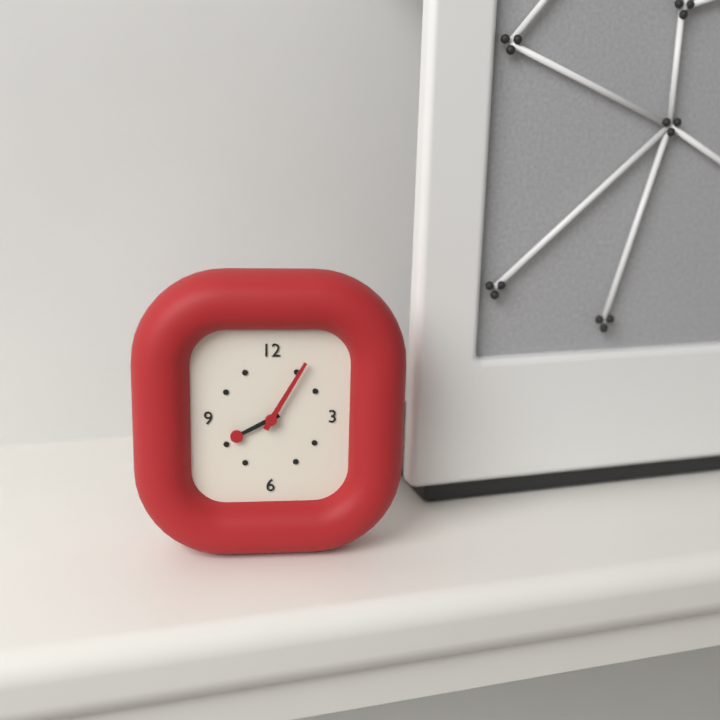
8,05
